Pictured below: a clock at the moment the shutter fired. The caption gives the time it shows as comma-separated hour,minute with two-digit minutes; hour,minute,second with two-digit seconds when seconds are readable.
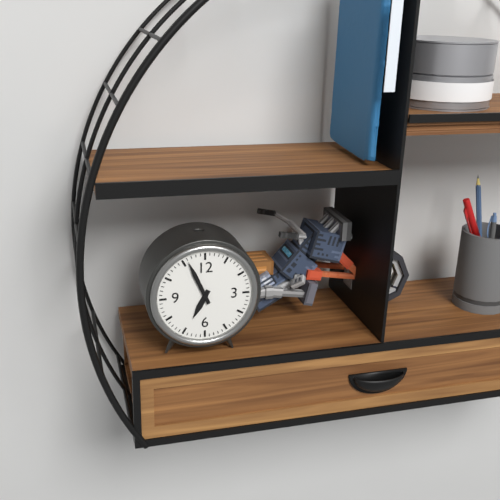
6,56
